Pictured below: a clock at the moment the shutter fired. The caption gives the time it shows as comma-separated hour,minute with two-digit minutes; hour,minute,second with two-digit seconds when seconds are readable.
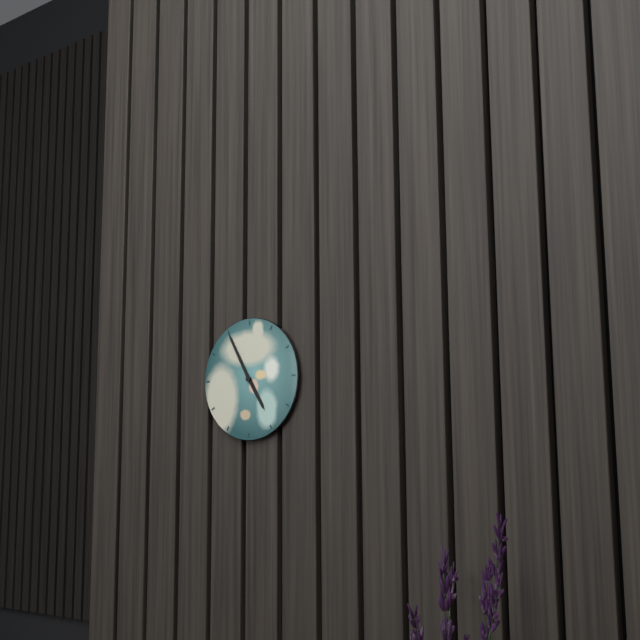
4,55
